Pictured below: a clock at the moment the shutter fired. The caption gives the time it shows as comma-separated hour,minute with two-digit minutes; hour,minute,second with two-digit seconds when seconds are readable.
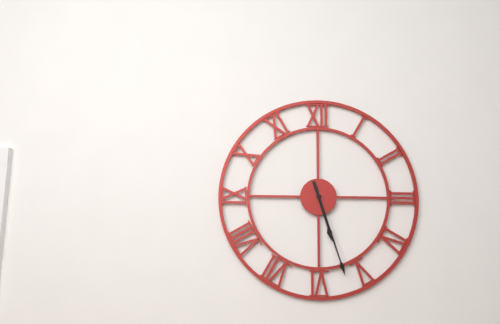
5,27
